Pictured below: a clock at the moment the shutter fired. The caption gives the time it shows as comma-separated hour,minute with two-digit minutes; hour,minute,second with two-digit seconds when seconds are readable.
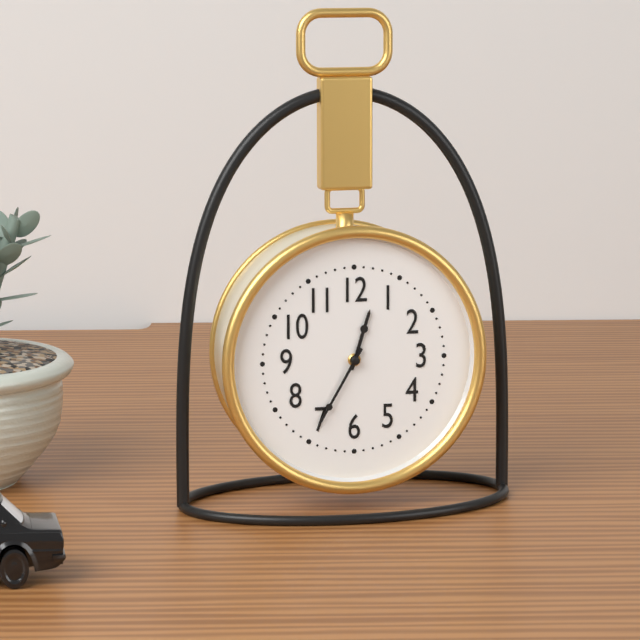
12,35
